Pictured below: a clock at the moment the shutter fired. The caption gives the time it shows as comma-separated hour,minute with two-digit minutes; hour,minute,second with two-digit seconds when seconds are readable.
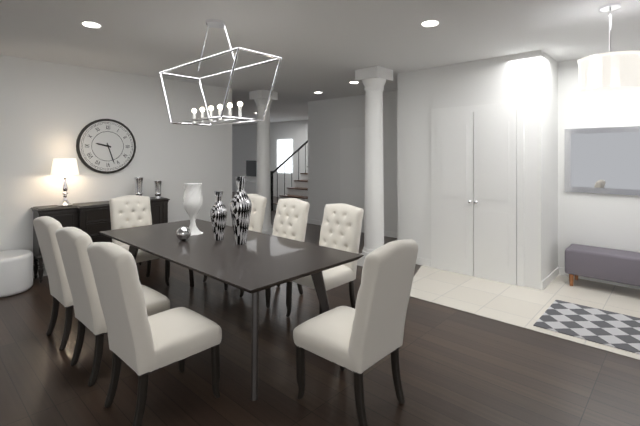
9,27
